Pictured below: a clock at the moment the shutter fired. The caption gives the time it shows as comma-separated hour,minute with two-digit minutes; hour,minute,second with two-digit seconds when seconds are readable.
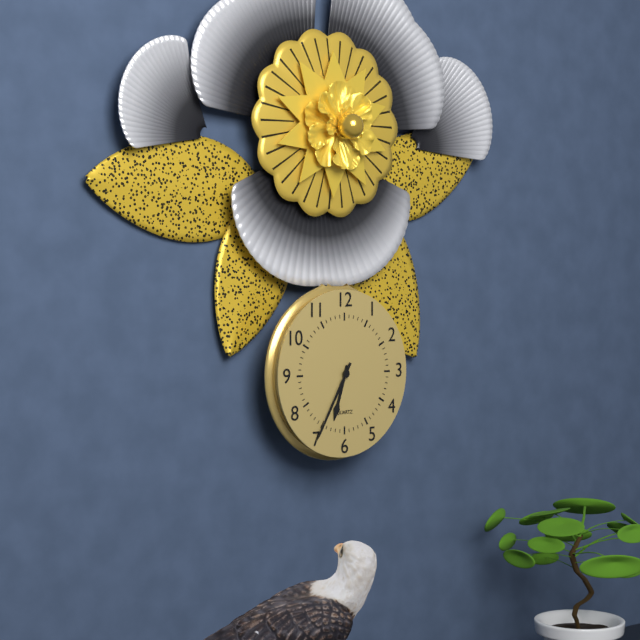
6,35
